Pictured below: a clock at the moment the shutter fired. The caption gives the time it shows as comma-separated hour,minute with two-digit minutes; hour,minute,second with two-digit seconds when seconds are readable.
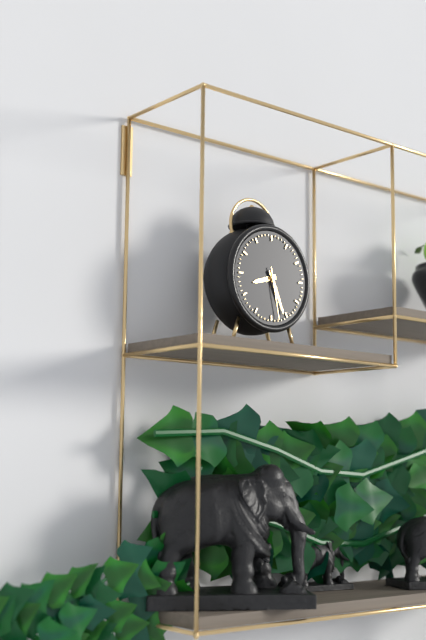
8,26,28
